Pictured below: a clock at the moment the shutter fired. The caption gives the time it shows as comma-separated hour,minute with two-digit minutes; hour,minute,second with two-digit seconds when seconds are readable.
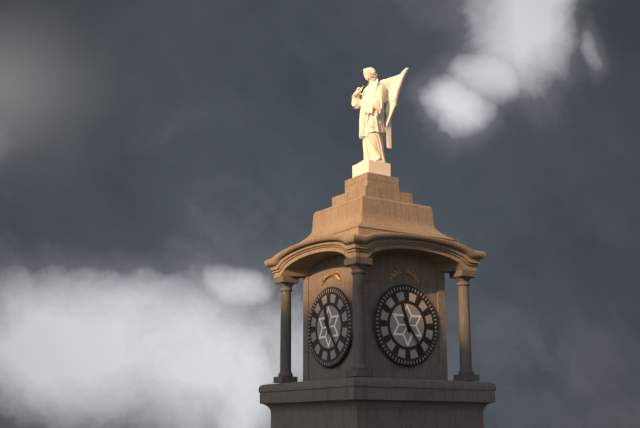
11,24
